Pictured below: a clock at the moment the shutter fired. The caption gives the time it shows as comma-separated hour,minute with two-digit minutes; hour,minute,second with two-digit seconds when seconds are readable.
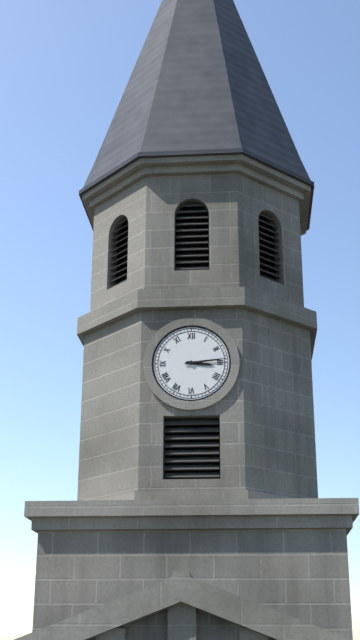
3,14
